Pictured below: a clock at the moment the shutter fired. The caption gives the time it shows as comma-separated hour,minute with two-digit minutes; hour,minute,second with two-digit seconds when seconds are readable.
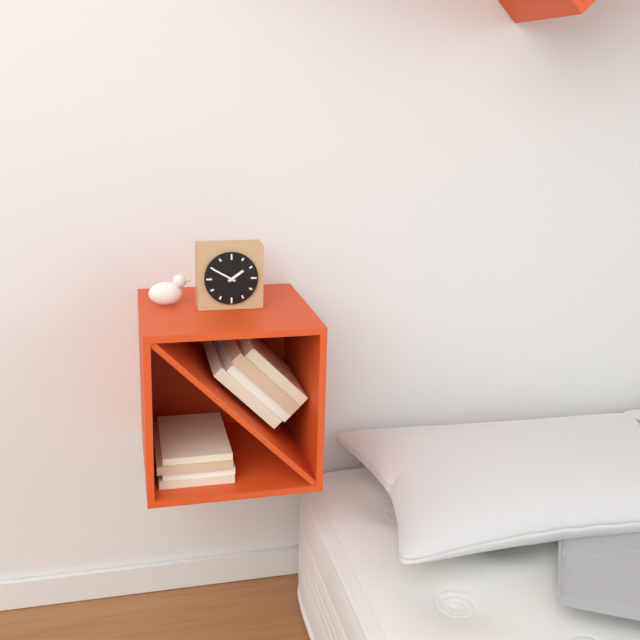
1,50
